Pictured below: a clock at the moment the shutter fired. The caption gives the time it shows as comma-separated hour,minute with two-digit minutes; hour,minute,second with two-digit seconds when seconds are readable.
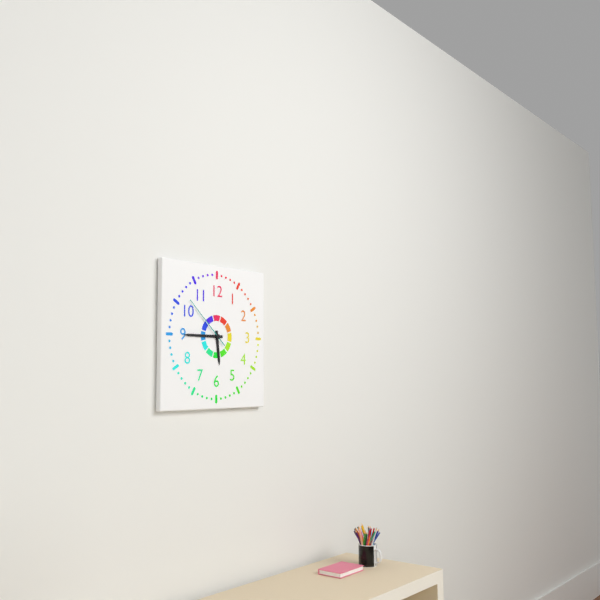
5,45,52
